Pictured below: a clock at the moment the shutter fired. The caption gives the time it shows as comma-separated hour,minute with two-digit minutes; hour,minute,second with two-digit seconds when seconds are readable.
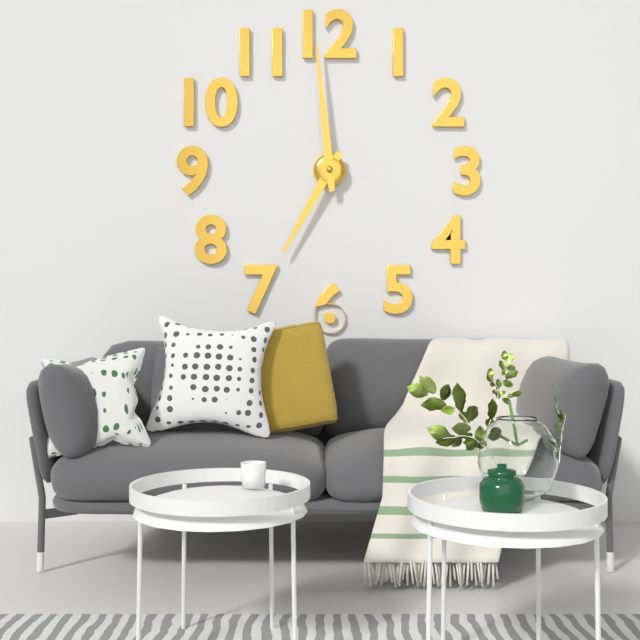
6,59
